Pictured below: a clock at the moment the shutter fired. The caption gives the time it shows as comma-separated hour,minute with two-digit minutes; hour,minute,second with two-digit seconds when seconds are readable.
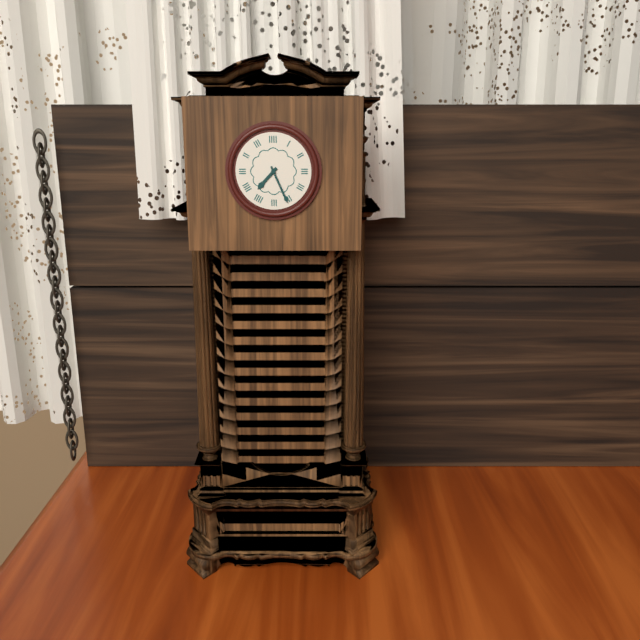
7,26
